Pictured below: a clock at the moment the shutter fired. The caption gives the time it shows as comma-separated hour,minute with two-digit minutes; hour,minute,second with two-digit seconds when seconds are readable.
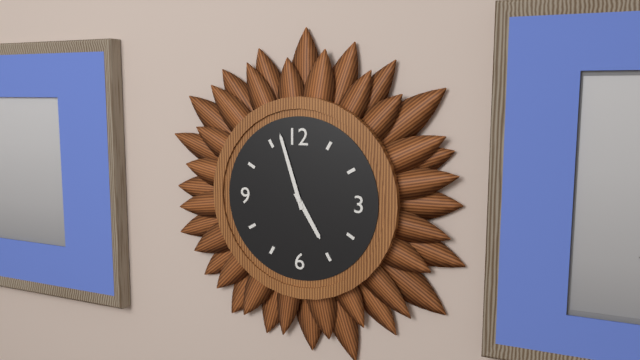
4,57
